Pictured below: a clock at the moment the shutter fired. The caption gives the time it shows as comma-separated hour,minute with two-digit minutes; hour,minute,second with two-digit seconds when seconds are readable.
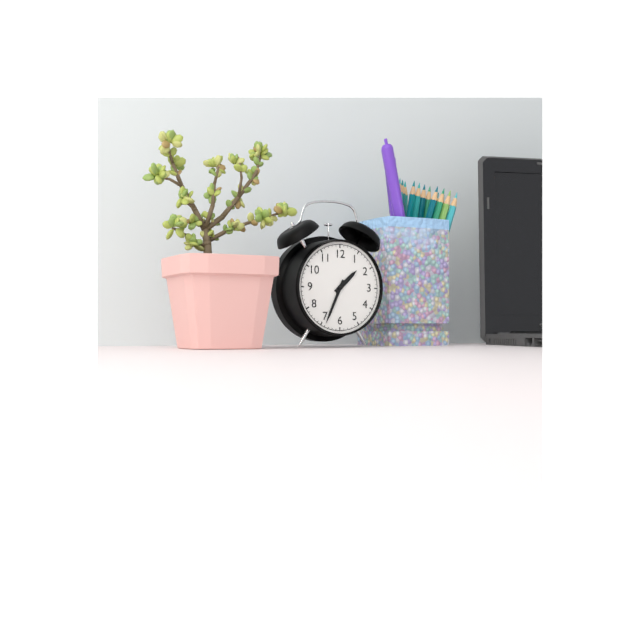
1,34
